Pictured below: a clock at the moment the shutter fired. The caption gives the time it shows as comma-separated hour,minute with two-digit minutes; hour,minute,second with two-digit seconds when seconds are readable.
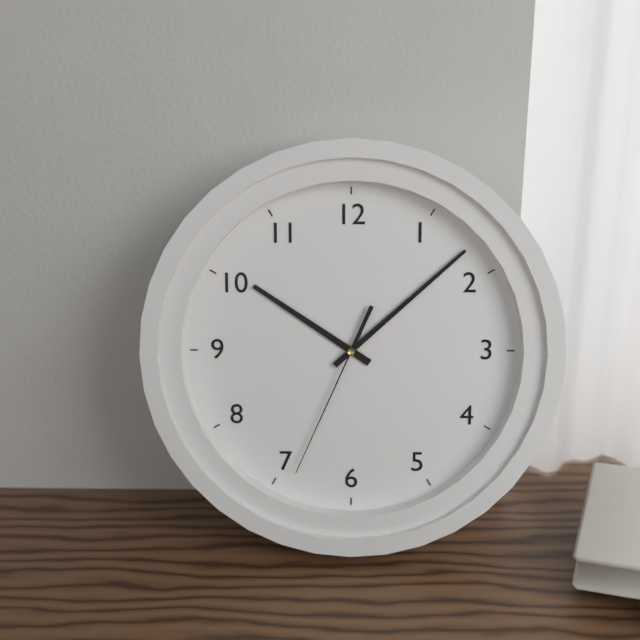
10,08,34
